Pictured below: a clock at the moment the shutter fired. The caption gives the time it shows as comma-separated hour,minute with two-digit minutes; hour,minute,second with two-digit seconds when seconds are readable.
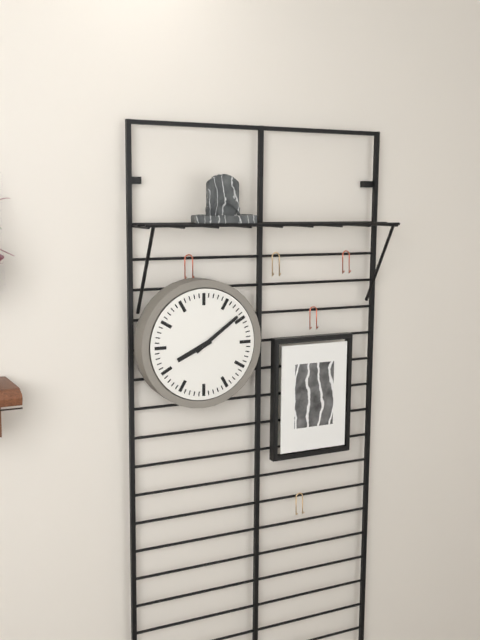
8,09
